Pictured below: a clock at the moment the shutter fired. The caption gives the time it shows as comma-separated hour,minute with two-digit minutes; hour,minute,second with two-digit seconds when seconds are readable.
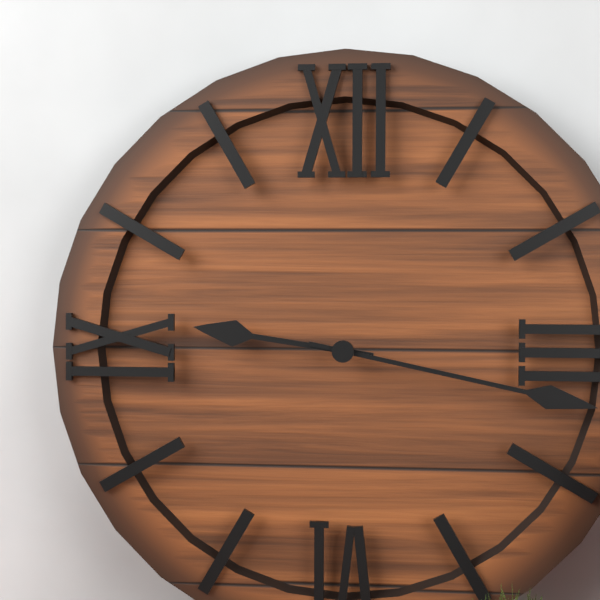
9,17
